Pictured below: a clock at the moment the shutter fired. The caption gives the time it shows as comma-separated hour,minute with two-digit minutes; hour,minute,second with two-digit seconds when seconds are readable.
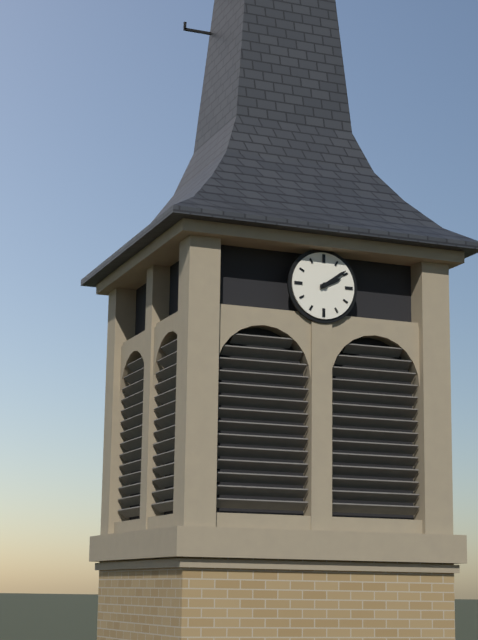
2,09
